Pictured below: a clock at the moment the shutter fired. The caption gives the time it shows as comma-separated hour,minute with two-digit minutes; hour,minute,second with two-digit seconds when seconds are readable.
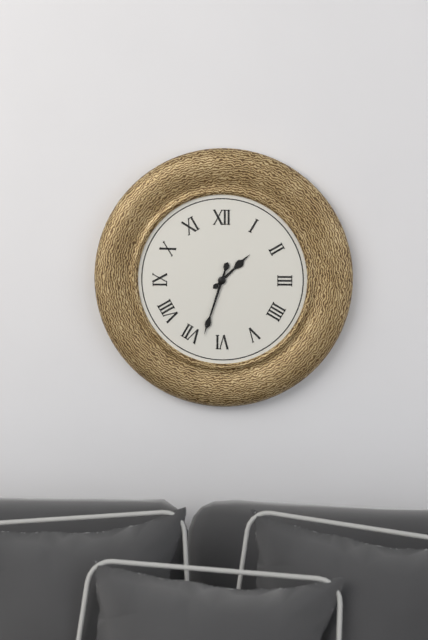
1,33
